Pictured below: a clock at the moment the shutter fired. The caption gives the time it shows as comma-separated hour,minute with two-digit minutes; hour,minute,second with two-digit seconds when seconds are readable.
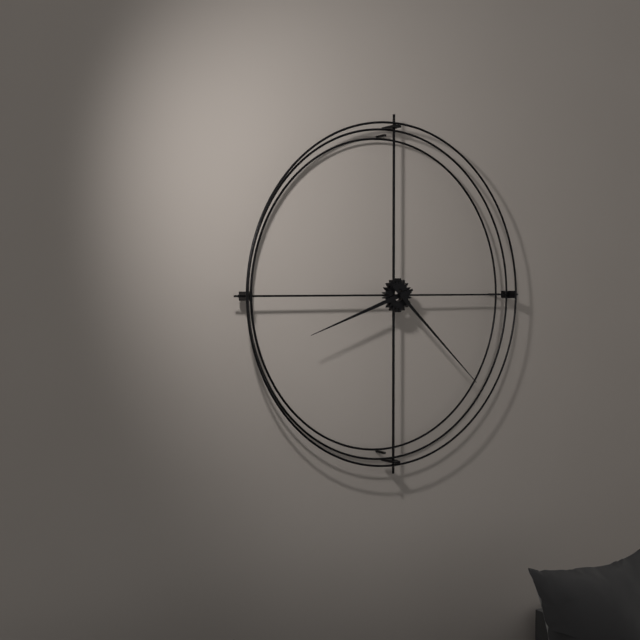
8,22
